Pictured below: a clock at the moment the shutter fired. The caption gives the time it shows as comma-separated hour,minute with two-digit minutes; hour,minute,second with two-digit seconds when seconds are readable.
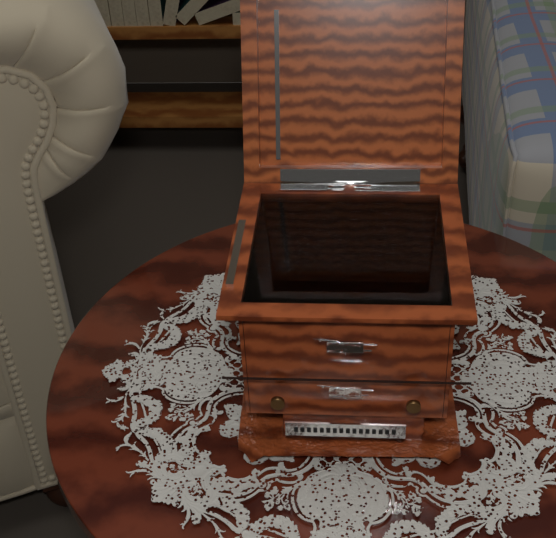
11,56
